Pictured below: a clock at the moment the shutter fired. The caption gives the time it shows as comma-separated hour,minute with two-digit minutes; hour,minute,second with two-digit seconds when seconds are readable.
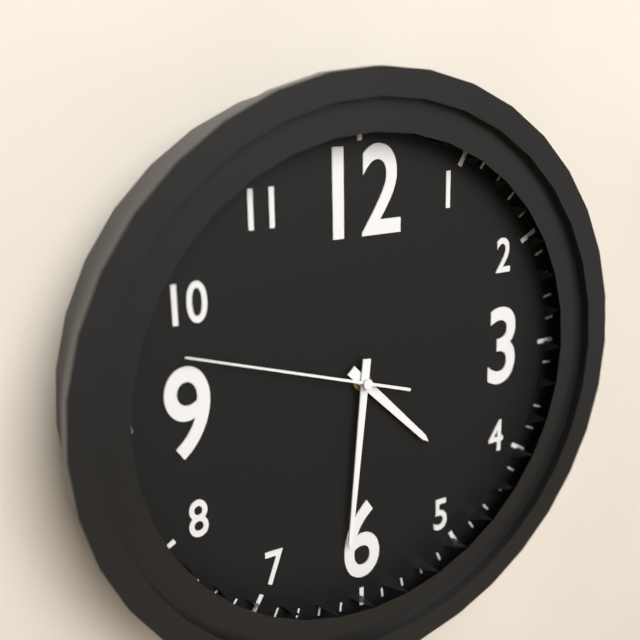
4,31,48
